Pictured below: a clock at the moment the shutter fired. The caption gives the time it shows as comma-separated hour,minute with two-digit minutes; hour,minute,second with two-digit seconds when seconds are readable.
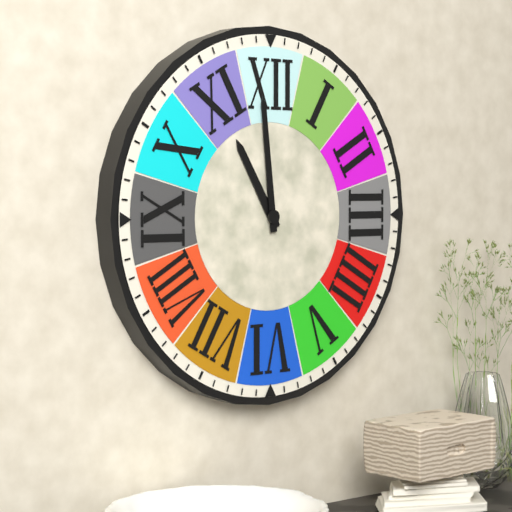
10,59
